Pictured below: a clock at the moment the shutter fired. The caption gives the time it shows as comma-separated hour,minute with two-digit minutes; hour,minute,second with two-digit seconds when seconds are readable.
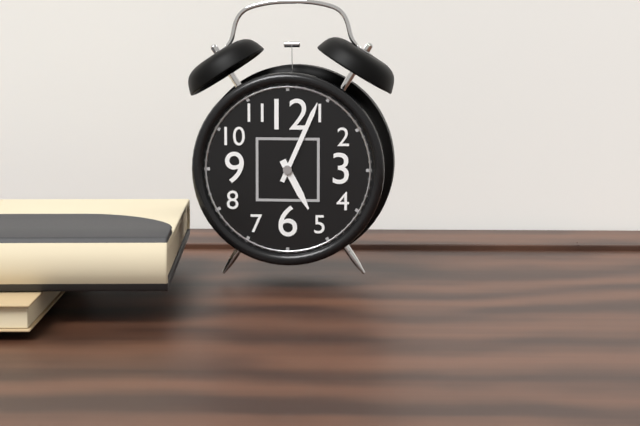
5,04
